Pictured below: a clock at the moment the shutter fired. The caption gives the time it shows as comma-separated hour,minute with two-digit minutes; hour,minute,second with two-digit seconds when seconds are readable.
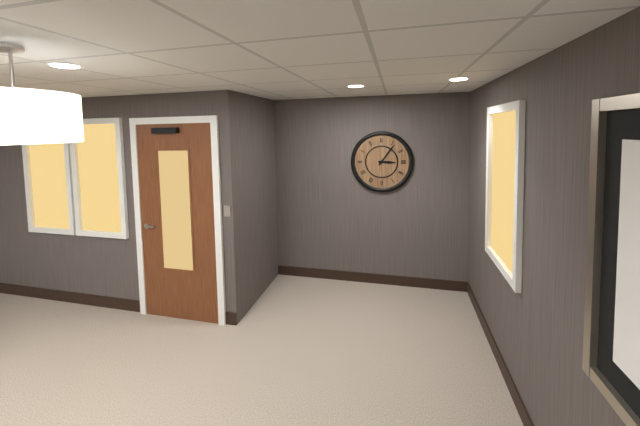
3,06
